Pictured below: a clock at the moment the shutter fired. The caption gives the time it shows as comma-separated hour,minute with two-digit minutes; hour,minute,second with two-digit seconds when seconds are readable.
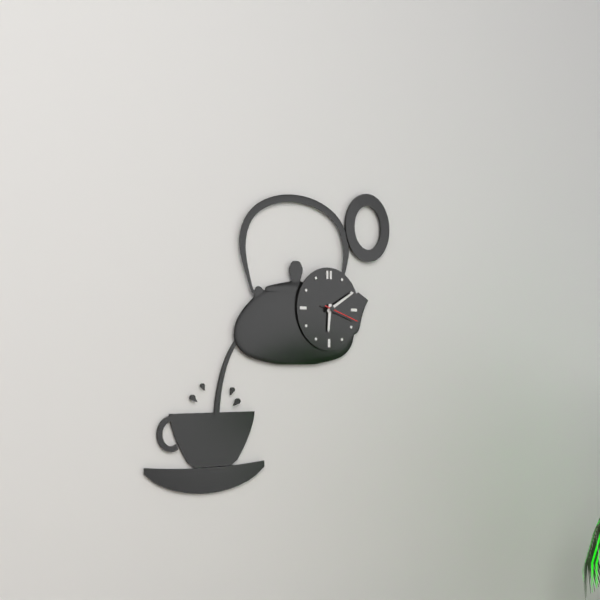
6,10
